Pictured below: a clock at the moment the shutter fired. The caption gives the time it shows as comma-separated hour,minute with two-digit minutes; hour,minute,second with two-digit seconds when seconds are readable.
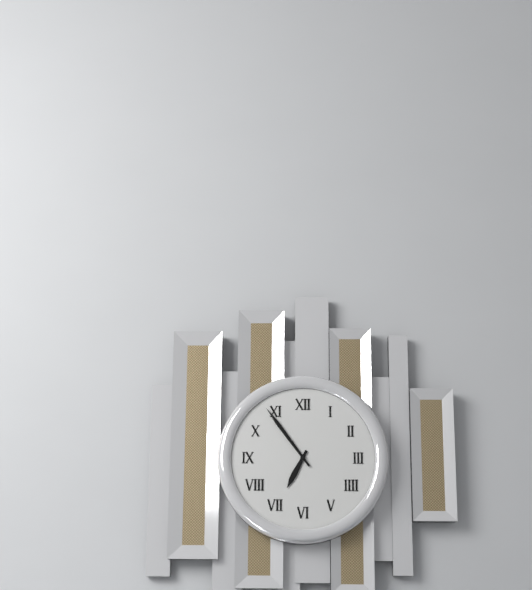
6,54
